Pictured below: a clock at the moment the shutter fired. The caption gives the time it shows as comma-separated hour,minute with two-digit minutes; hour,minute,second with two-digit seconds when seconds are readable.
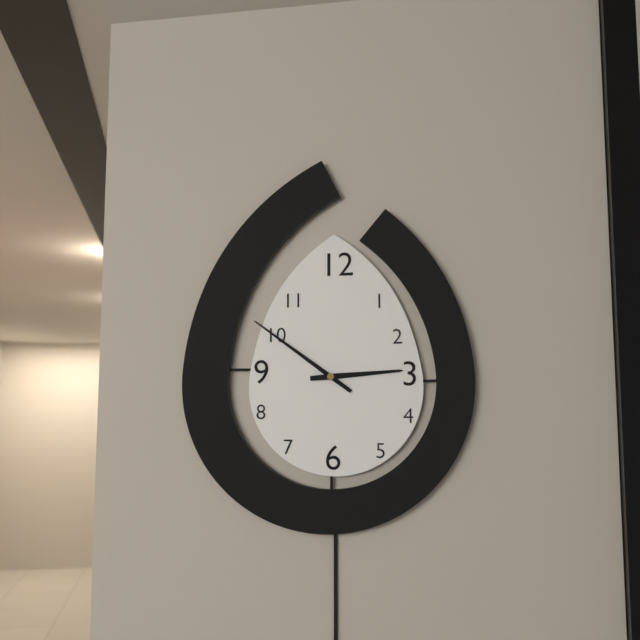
2,51
